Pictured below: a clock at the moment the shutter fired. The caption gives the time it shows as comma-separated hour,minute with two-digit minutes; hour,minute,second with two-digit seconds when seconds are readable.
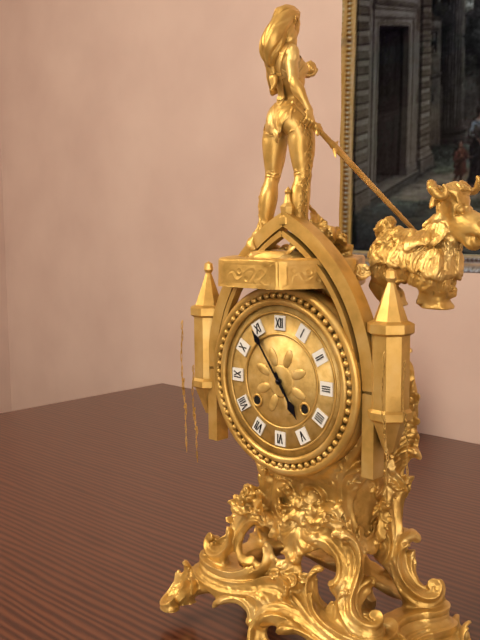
4,54
